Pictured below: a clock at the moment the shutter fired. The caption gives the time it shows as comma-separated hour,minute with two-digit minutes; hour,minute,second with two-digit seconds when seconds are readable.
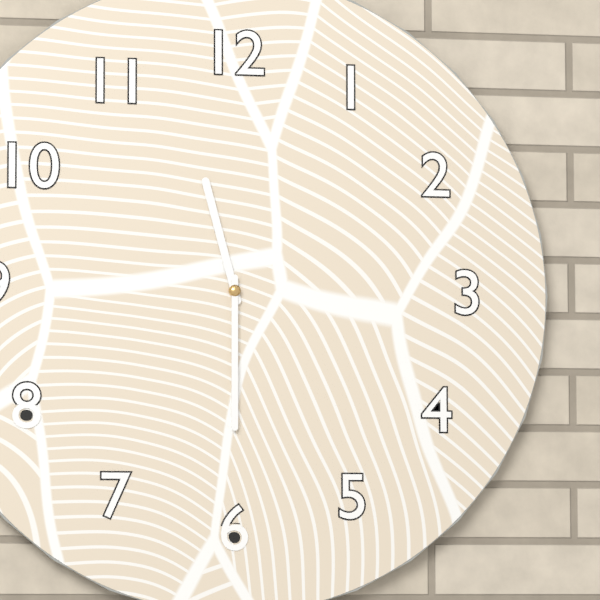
11,30
